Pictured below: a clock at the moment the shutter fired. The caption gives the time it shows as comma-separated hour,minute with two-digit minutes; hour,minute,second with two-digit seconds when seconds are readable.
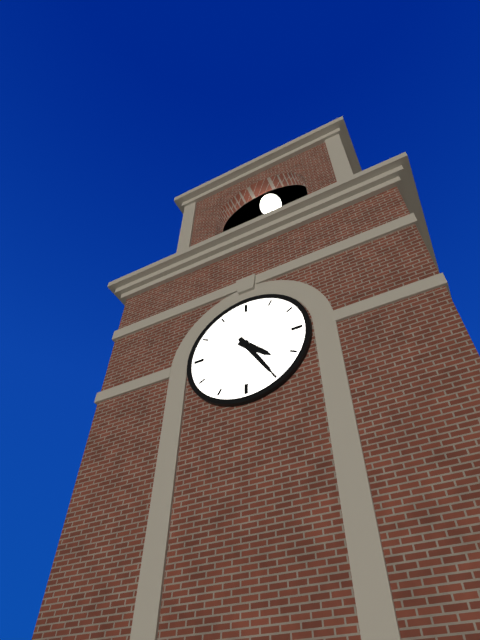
4,25
